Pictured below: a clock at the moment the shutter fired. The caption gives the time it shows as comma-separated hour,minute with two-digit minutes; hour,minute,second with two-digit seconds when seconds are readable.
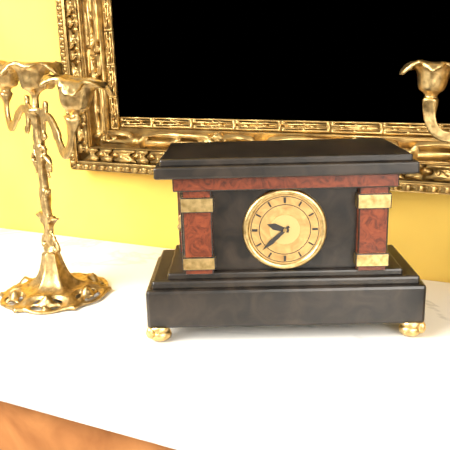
9,38
